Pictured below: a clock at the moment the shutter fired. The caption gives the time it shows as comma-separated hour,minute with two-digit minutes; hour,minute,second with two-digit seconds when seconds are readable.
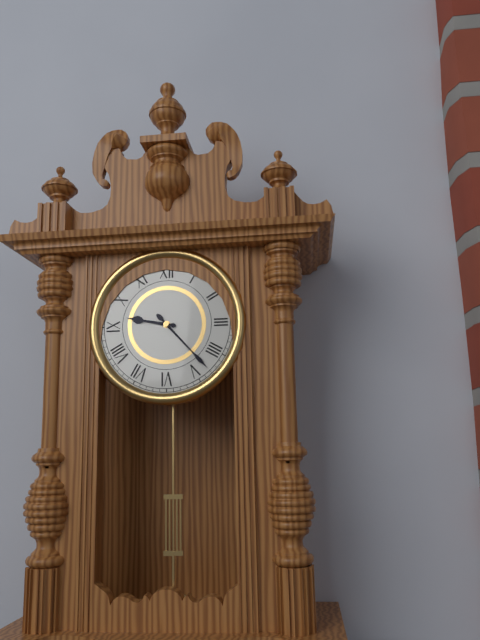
9,23
